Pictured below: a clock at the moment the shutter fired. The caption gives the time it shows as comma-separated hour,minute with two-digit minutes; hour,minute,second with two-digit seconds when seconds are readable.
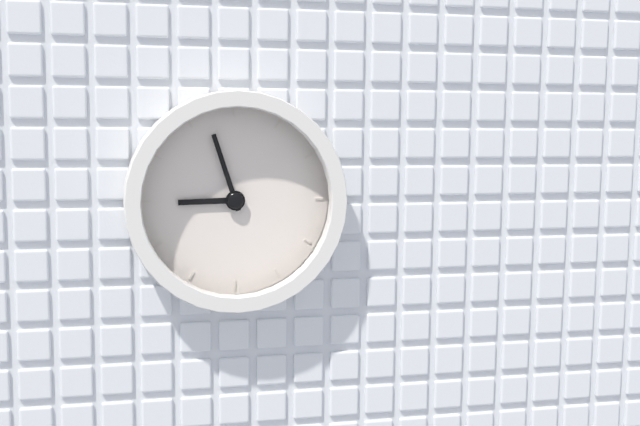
8,57
